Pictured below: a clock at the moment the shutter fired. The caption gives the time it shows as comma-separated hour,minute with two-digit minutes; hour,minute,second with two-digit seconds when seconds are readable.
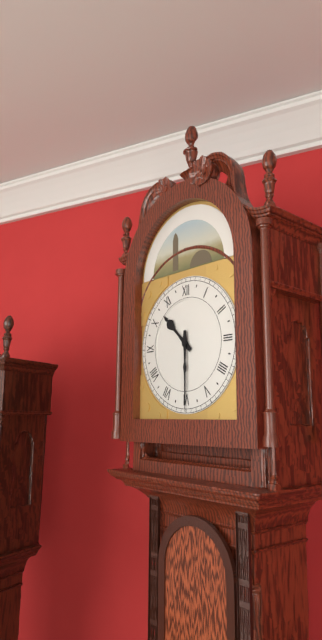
10,30
